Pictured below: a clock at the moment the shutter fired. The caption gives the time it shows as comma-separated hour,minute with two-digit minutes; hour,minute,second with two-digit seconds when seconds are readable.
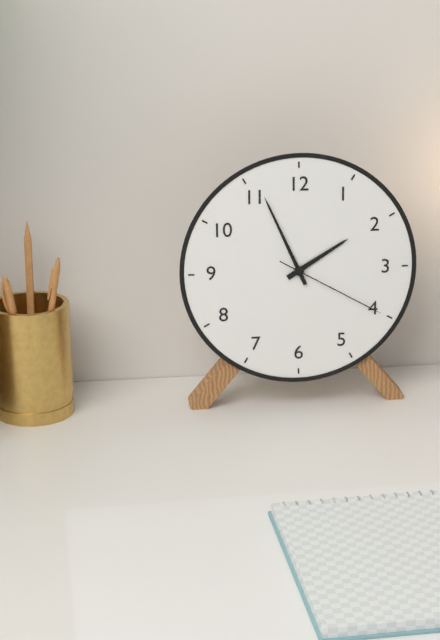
1,56,20
